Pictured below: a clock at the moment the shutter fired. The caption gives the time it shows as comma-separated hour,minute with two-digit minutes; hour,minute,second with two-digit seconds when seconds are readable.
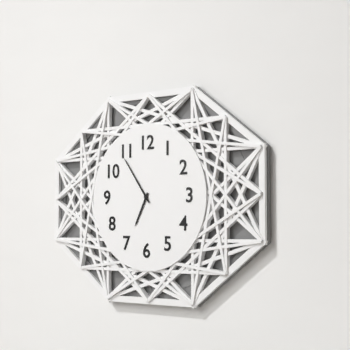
6,54
